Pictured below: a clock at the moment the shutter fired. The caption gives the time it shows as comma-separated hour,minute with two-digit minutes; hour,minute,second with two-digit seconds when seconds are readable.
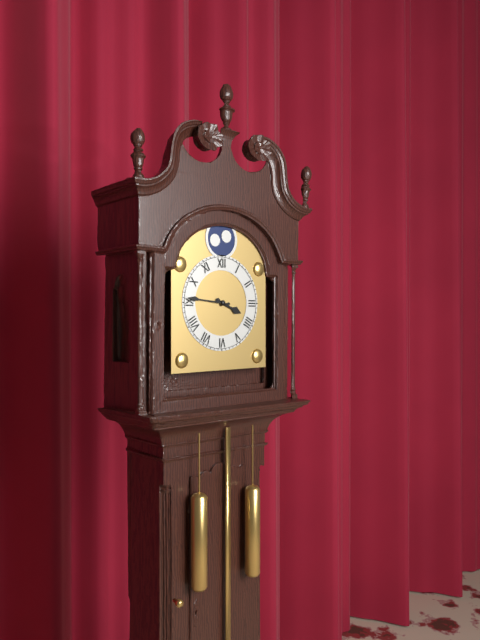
3,46
